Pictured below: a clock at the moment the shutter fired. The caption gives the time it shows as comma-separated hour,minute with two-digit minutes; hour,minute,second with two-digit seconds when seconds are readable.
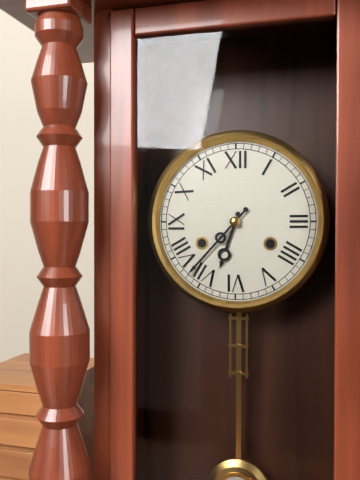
6,37
